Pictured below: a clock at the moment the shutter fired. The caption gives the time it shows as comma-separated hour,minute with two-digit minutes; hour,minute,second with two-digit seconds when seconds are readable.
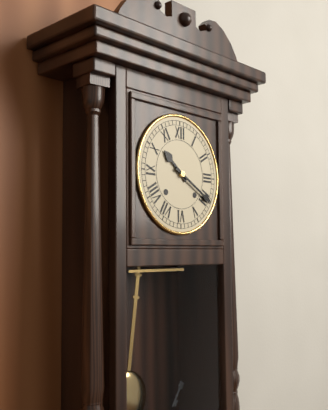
10,20
